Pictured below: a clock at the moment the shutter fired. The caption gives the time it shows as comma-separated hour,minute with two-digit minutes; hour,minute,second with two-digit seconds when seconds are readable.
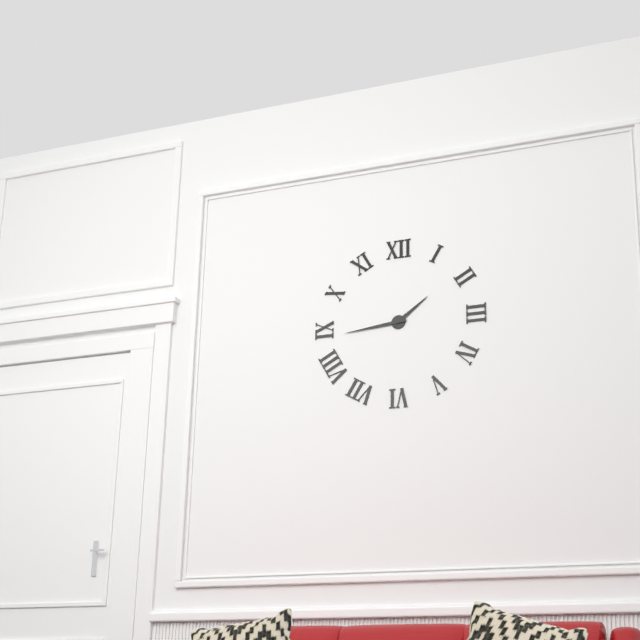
1,44
